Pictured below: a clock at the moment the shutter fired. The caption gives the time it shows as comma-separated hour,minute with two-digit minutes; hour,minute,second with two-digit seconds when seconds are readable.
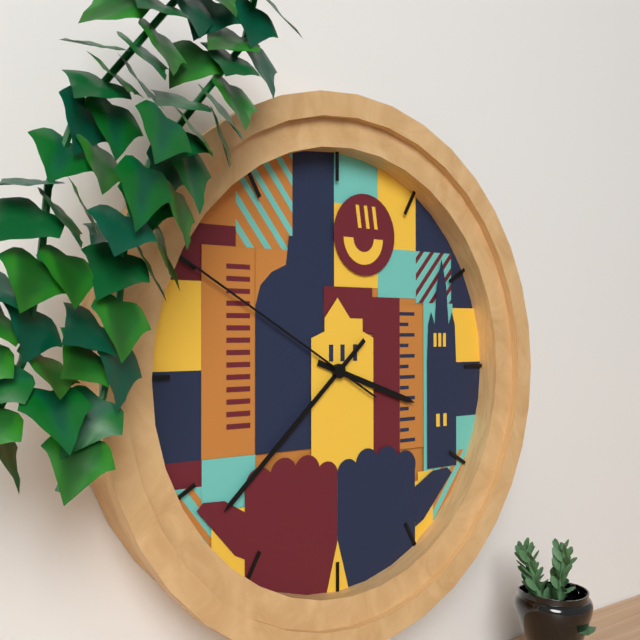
3,38,50
